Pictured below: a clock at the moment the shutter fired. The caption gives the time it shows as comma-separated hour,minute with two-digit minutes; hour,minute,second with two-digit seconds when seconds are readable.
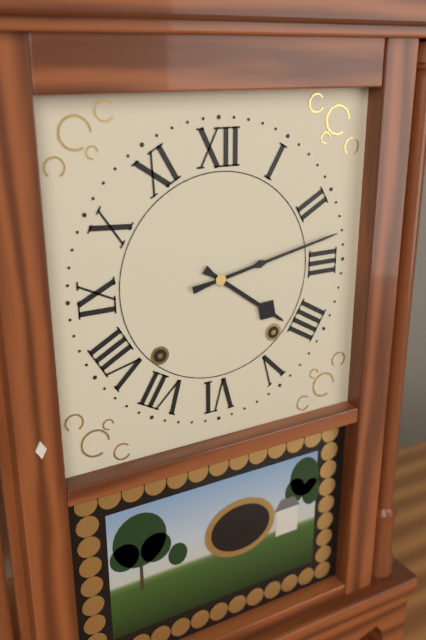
4,13
